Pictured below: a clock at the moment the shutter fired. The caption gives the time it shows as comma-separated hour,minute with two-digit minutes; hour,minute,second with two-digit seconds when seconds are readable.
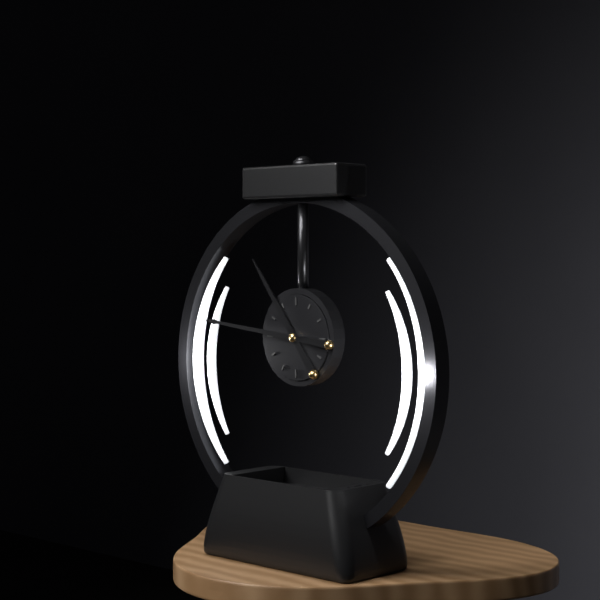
10,46
